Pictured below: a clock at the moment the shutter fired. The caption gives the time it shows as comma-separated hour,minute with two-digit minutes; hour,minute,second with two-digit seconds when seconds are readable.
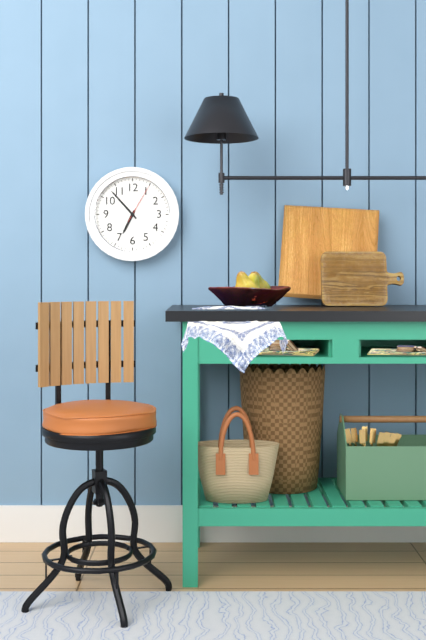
6,53
